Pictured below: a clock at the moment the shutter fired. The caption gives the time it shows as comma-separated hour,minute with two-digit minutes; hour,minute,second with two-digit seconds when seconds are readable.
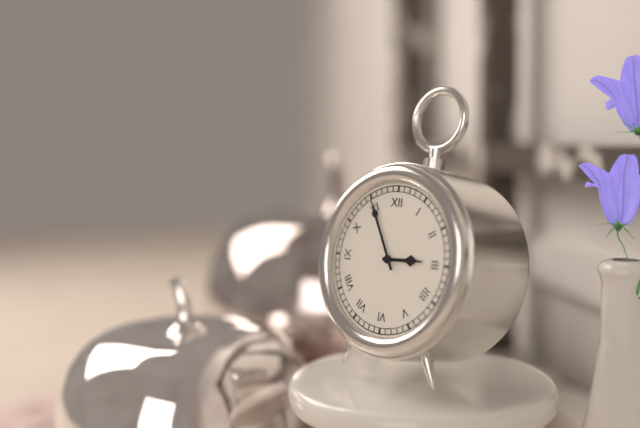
2,55
